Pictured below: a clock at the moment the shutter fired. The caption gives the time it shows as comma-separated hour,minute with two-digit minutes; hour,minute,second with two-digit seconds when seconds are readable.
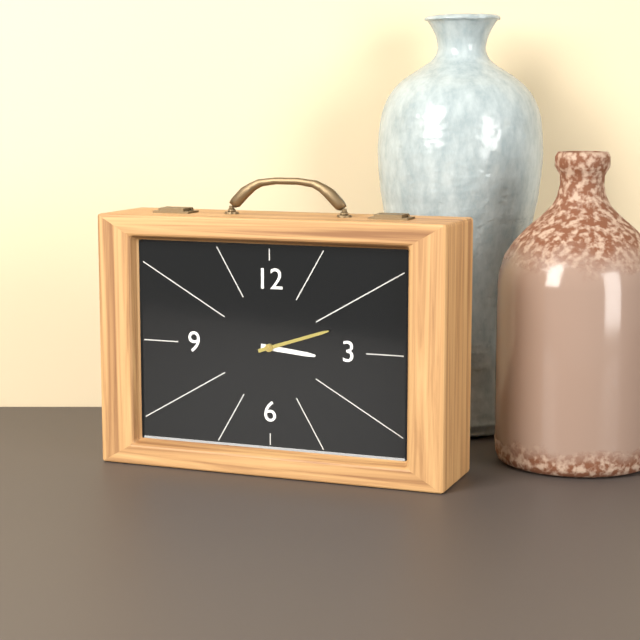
3,12
